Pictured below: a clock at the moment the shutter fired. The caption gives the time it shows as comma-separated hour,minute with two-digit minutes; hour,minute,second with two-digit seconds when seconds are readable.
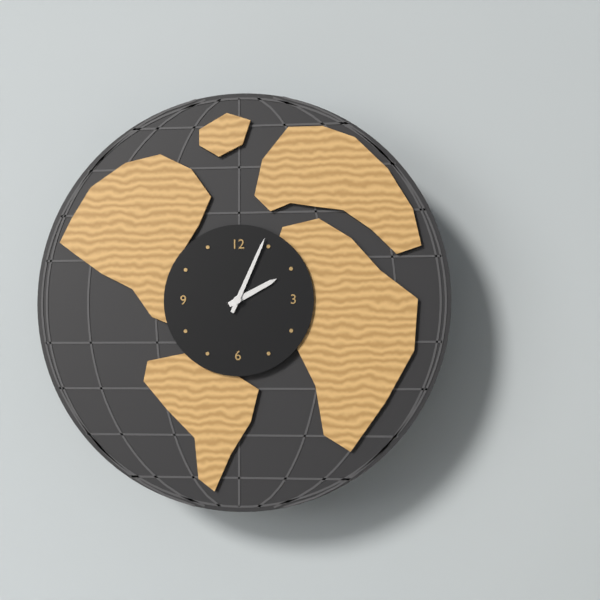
2,04
